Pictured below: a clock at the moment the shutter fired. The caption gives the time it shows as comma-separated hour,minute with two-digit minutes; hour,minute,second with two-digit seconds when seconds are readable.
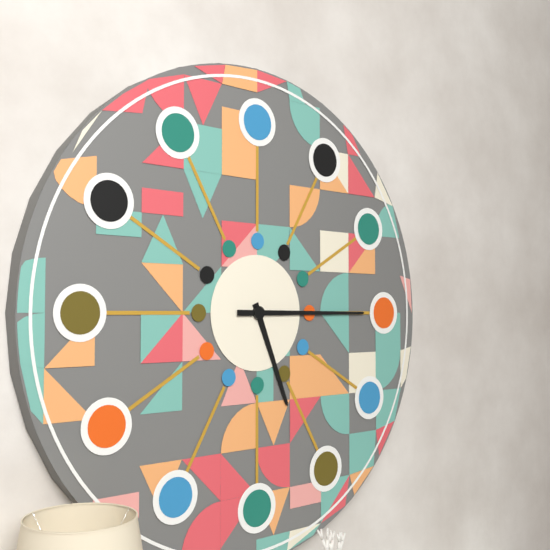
5,15
